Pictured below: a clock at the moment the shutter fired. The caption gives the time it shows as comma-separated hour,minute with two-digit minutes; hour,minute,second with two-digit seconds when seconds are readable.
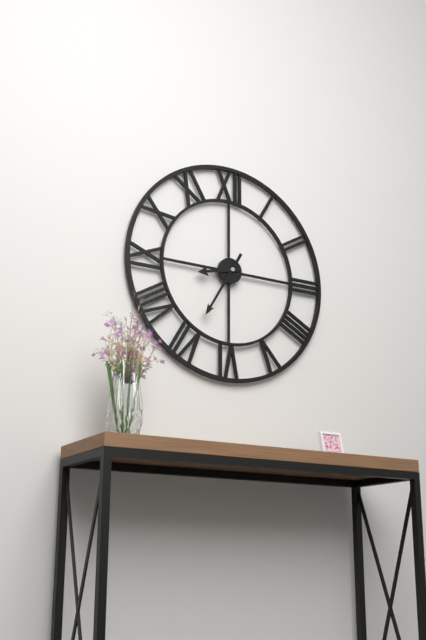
8,35
